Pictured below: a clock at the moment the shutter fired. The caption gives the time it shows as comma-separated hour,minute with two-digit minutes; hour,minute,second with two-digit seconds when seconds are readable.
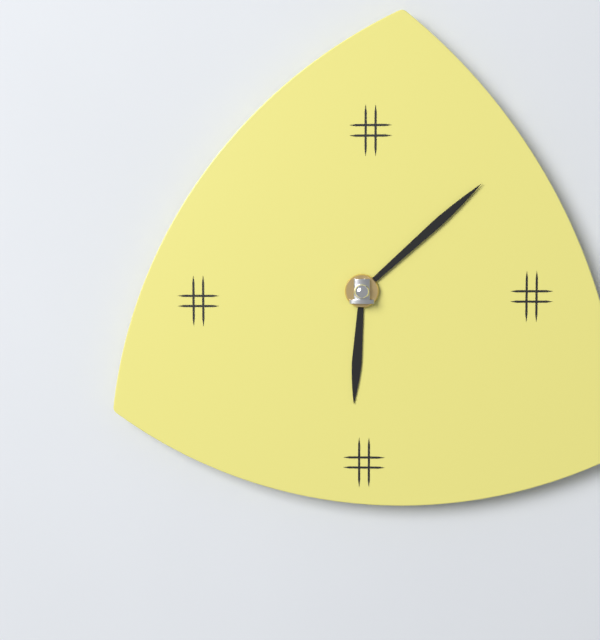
6,08
